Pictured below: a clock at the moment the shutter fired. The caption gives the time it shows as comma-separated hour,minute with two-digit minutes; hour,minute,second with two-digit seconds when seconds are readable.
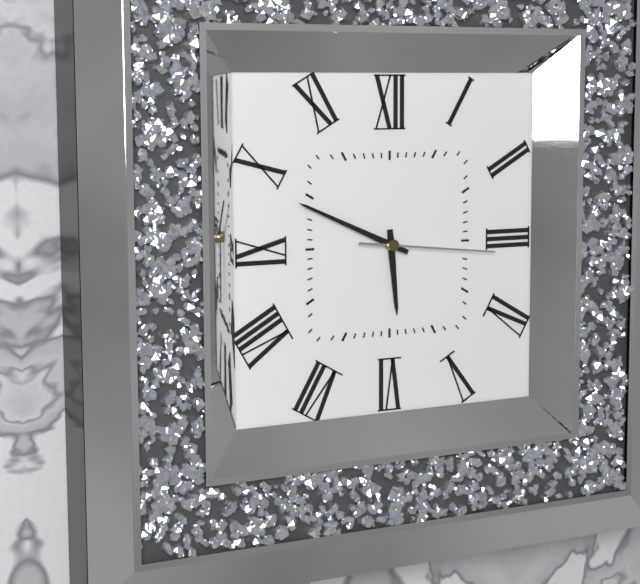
5,49,16
